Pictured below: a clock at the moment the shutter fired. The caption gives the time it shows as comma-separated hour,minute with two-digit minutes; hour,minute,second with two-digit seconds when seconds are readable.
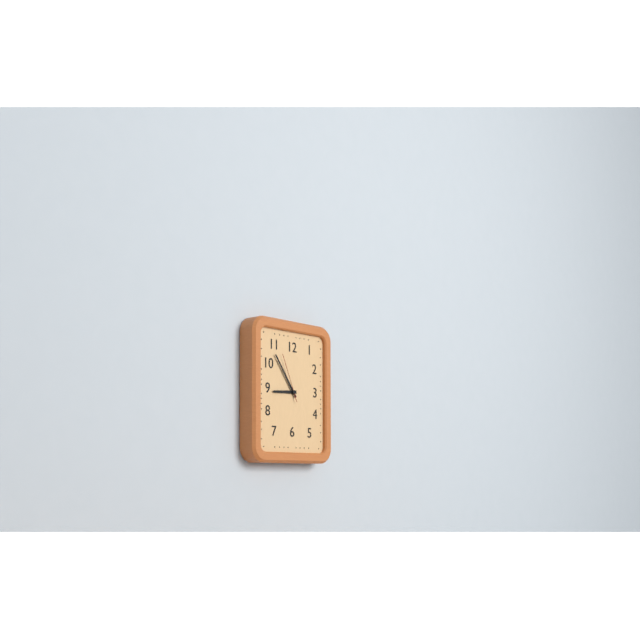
8,54,56
